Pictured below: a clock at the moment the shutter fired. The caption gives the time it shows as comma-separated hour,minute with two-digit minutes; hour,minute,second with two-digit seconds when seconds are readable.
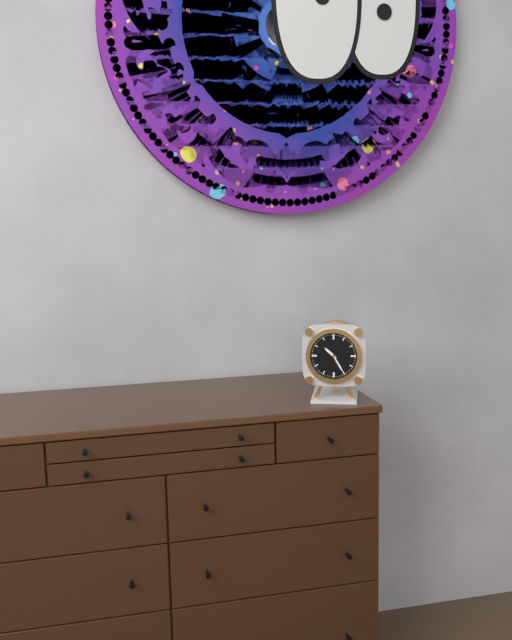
10,25
